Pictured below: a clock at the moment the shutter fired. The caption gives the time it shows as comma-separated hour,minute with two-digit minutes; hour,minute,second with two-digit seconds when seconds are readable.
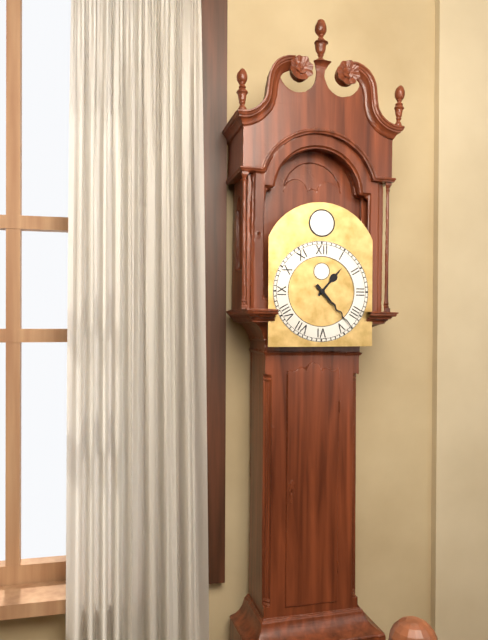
1,23
